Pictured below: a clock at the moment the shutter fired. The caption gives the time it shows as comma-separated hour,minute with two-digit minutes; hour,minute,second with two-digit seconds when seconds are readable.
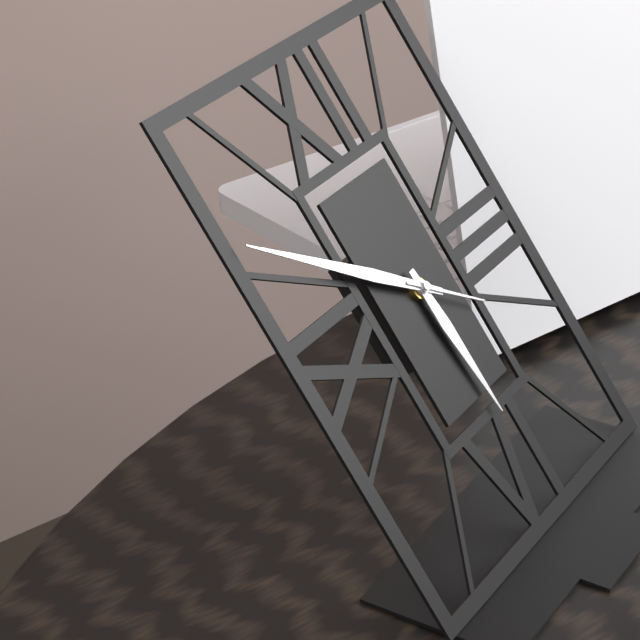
5,51,21
